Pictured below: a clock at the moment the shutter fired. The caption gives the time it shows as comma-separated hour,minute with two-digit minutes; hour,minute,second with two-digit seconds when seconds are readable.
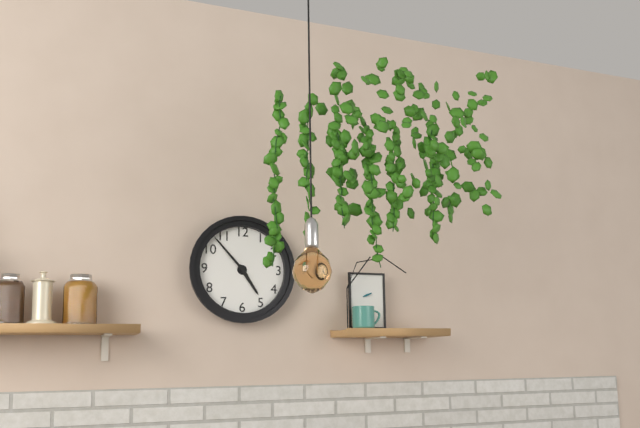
4,53
